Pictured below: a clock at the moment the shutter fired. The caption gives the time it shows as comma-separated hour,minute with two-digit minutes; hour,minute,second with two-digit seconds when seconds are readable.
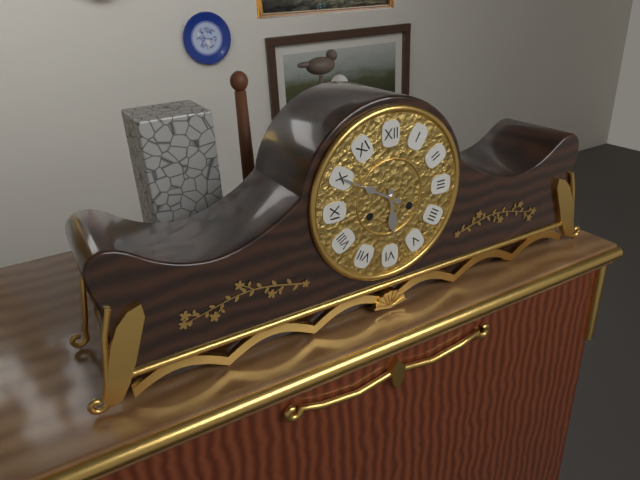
5,50
